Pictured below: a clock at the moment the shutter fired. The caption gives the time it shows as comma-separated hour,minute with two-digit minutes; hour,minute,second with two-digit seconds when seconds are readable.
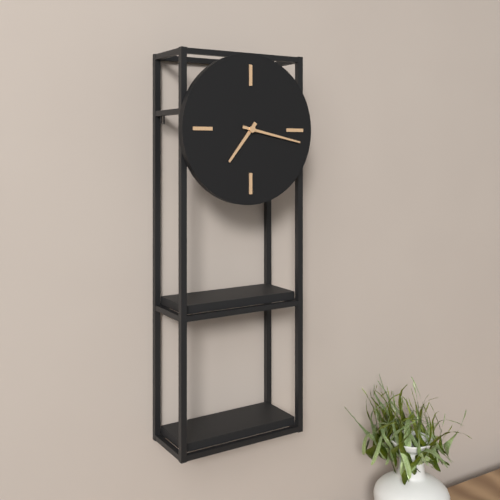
7,17
